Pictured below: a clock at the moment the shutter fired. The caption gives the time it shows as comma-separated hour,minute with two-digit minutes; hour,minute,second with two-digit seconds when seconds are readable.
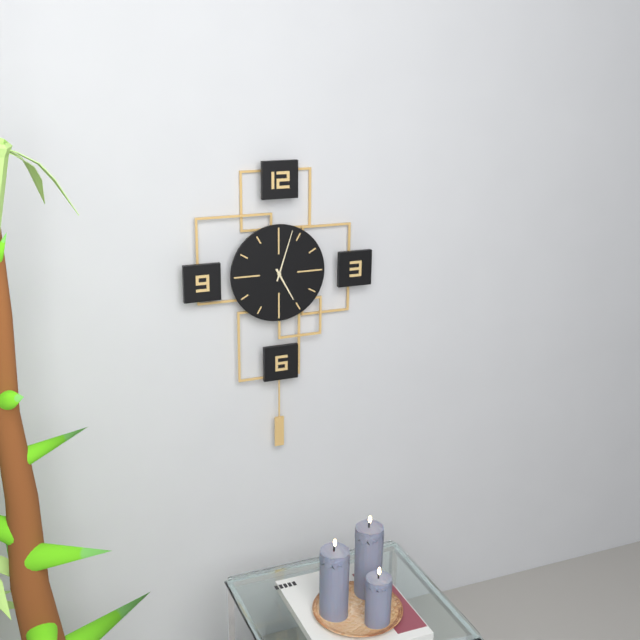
5,03
